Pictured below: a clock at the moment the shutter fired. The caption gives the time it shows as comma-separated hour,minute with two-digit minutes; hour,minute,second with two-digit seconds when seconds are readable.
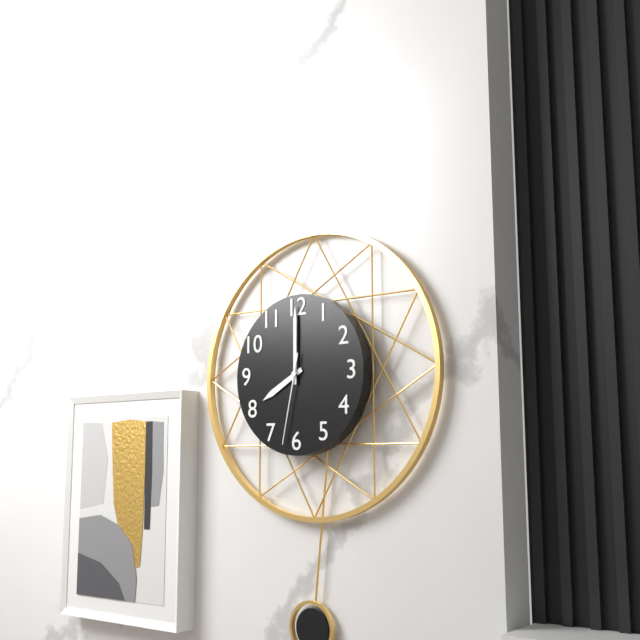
8,00,32
